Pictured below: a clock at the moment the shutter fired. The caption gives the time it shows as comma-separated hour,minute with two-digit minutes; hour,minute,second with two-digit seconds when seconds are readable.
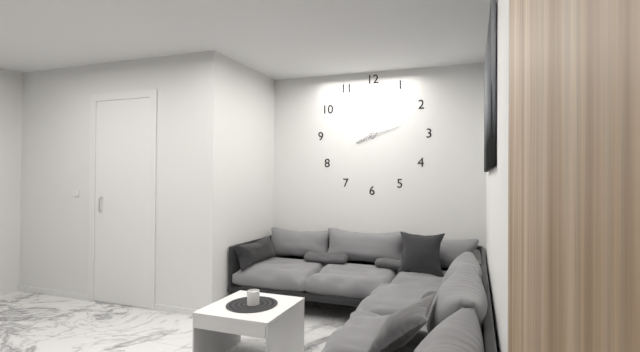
8,12
